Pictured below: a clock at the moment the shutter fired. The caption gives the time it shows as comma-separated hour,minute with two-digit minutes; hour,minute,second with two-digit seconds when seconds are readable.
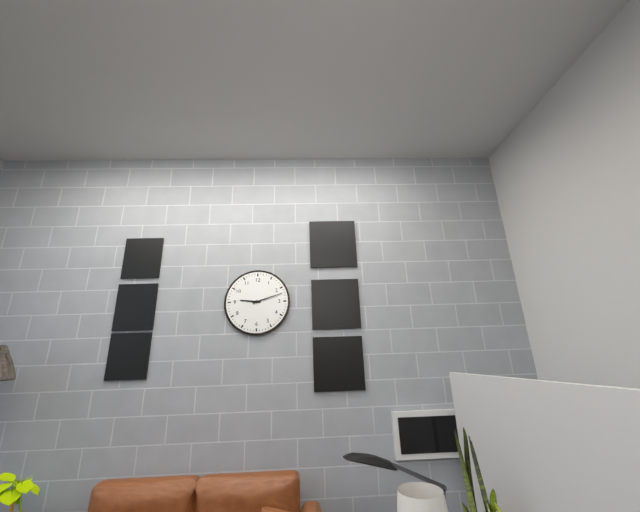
9,12
